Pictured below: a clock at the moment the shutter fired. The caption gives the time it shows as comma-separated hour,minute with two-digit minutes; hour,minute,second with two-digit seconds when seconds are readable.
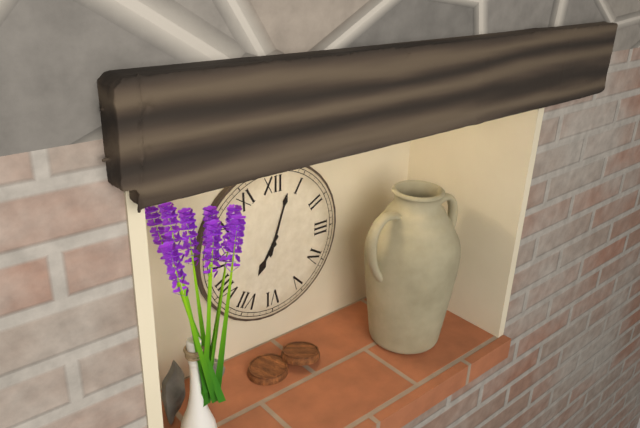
7,03
